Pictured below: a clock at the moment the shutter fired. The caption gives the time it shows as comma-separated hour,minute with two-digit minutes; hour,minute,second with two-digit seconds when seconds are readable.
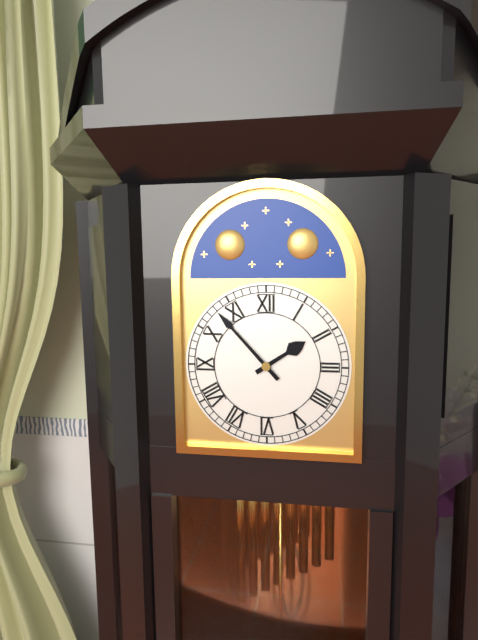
1,53
